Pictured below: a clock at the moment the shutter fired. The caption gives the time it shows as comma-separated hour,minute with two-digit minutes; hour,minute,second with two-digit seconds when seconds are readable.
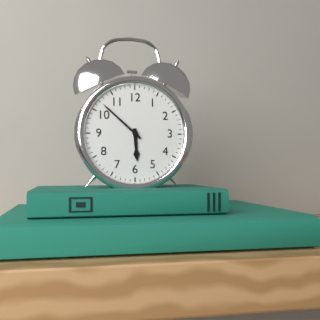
5,52
